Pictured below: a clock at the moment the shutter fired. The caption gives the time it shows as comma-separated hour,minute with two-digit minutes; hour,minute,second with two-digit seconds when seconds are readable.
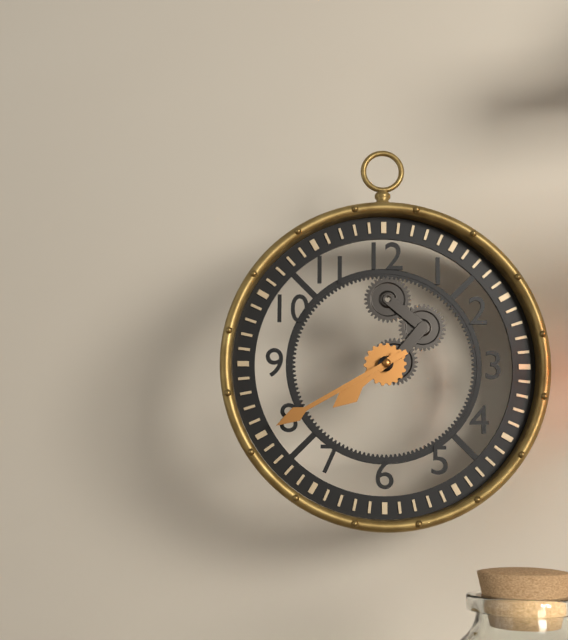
7,40
